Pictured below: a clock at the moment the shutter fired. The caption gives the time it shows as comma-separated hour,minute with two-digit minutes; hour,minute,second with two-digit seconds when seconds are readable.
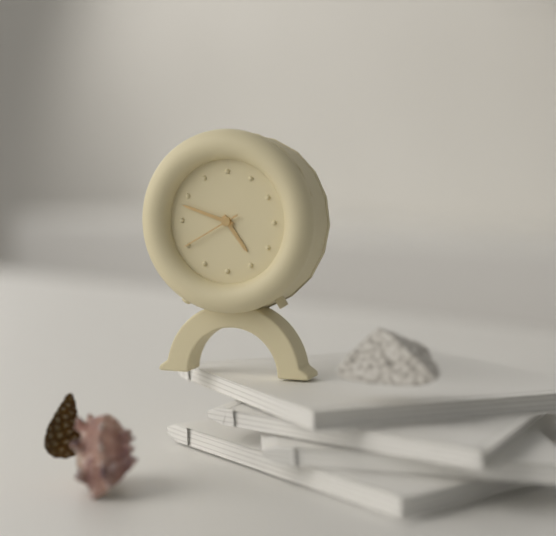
4,48,40
